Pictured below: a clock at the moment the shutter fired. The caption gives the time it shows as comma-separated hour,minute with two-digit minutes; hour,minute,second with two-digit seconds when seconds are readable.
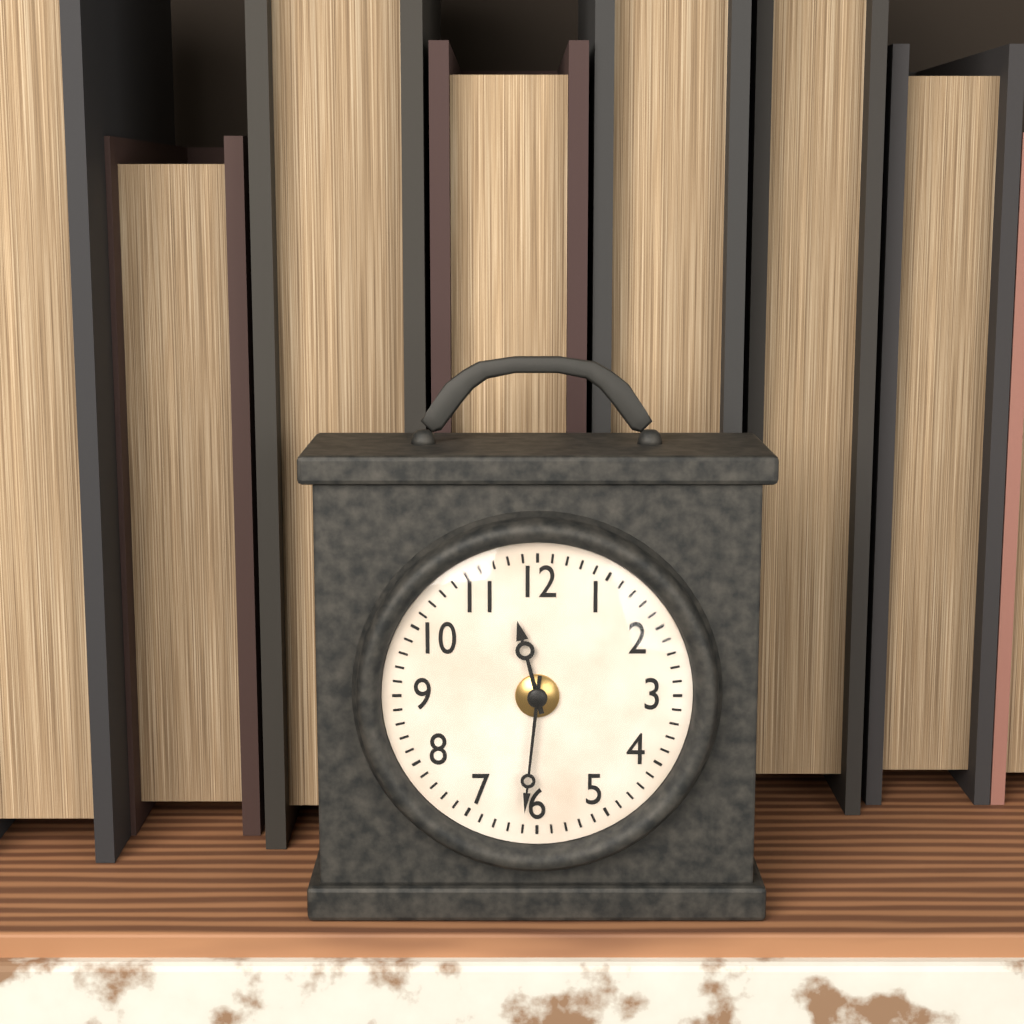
11,31
